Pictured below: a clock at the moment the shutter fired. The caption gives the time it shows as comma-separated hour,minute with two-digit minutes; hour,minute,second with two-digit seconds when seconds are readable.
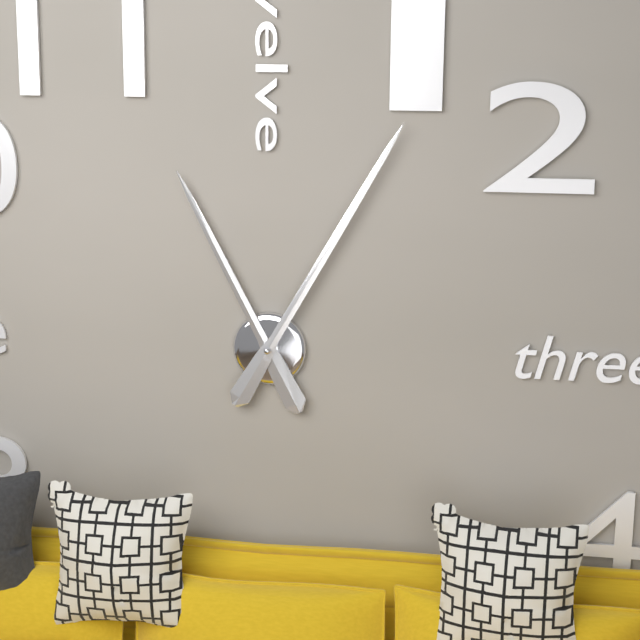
11,05
